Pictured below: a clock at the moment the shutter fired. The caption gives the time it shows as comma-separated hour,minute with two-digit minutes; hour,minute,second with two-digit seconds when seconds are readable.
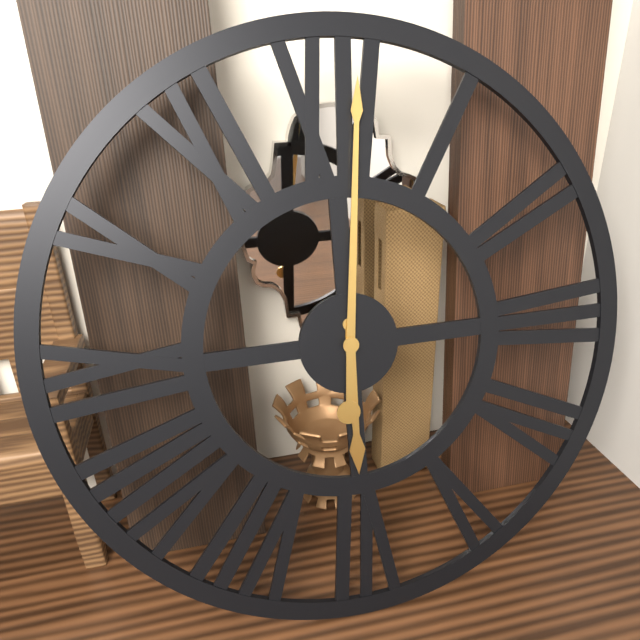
6,01
